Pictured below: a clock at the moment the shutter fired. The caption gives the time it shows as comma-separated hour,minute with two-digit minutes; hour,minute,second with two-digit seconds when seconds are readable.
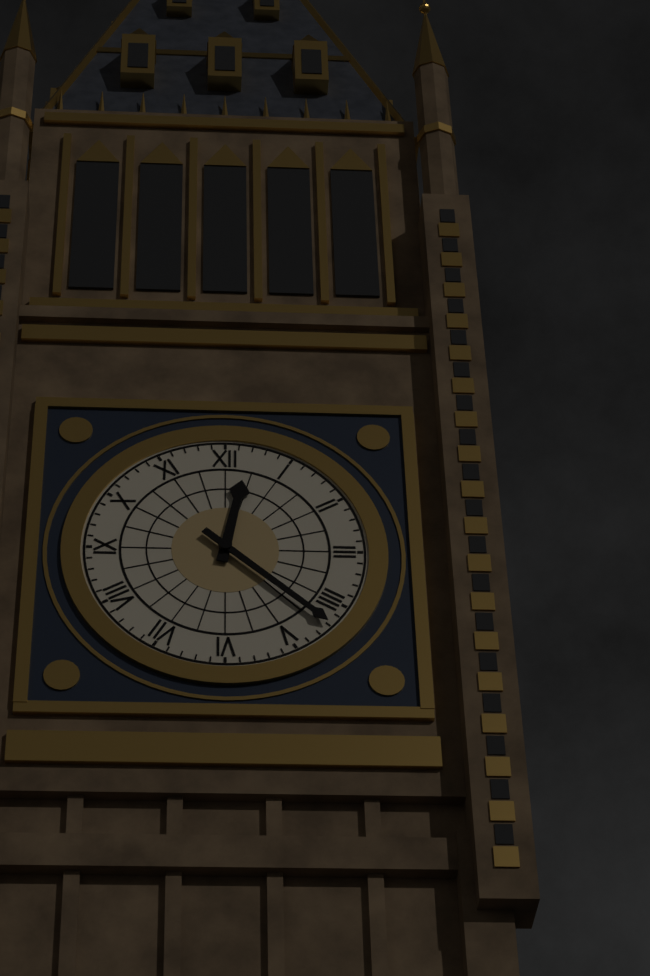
12,22
